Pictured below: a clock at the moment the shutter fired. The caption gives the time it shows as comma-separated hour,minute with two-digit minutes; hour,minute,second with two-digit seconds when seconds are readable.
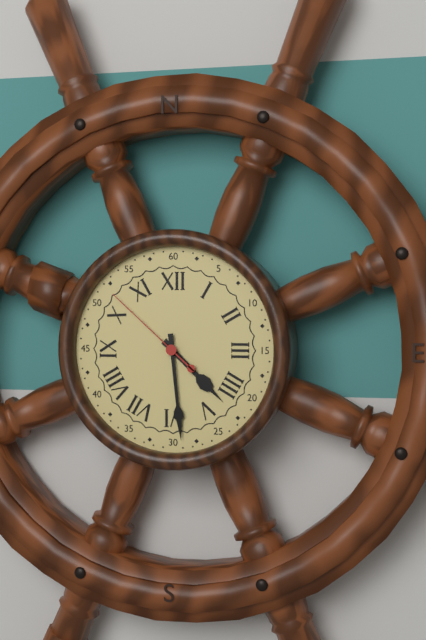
4,29,52
